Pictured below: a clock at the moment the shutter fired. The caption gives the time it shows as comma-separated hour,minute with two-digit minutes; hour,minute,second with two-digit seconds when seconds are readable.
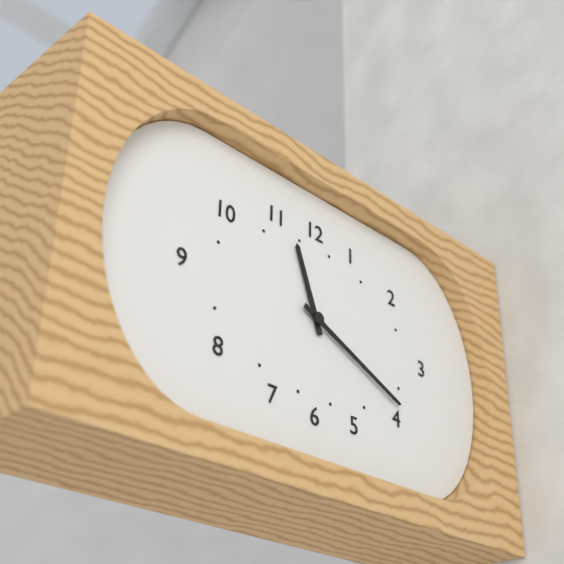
11,19
